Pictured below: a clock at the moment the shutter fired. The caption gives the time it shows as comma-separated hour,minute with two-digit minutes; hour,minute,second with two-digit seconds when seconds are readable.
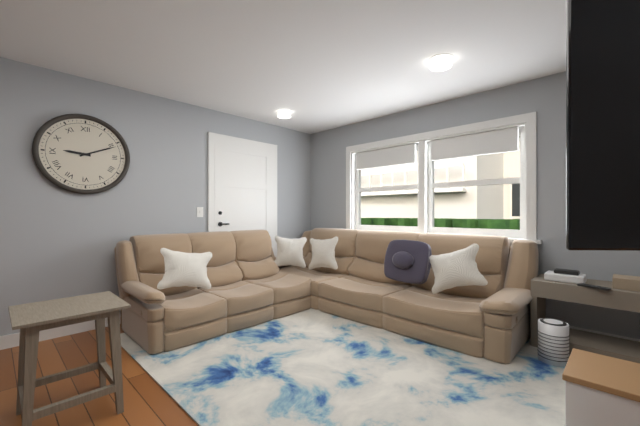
9,11
